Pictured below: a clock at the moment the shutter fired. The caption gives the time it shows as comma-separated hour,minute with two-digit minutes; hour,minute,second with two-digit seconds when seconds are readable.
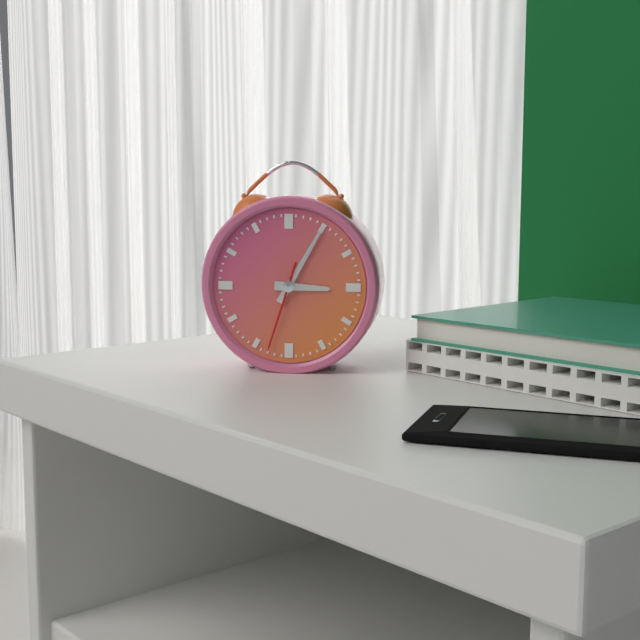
3,05,33
